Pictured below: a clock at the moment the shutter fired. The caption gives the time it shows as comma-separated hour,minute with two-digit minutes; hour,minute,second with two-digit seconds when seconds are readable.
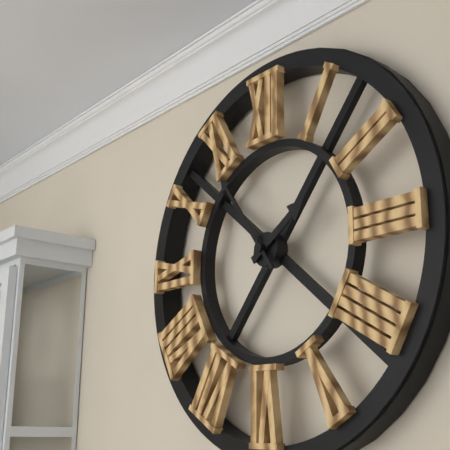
1,54
